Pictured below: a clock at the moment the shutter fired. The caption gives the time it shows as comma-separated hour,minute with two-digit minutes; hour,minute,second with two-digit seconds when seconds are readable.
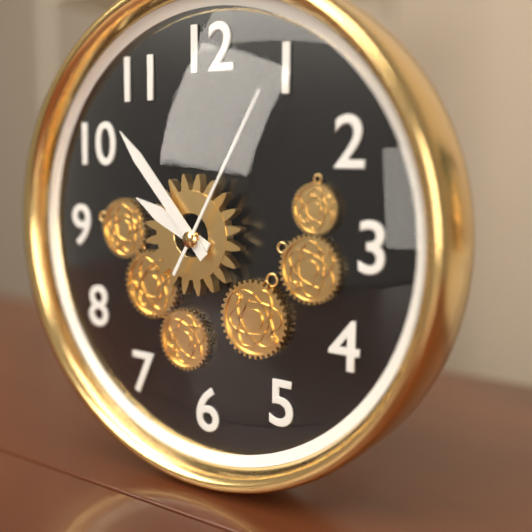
9,53,05
